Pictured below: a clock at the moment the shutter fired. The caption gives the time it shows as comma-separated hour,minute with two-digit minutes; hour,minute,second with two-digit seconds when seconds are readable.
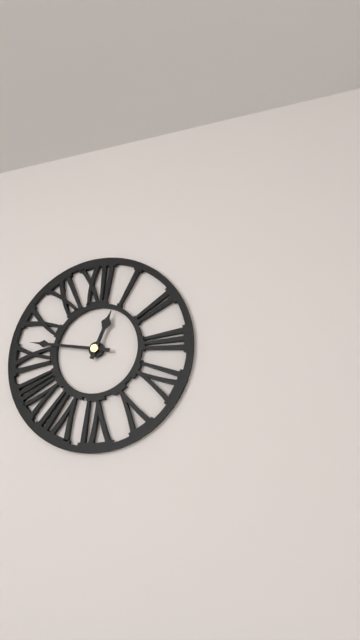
12,47
